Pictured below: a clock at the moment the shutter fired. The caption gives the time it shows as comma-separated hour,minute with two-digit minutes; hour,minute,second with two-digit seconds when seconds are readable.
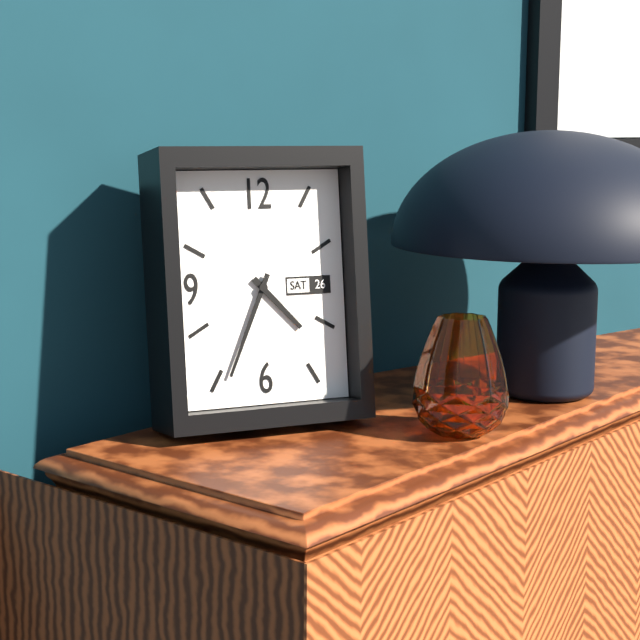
4,34
